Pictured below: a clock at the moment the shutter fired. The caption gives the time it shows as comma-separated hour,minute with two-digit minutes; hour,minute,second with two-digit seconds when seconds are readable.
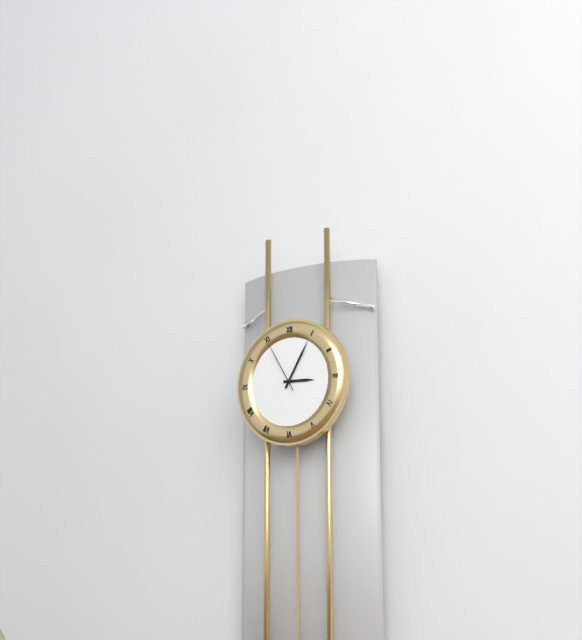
3,05,55
